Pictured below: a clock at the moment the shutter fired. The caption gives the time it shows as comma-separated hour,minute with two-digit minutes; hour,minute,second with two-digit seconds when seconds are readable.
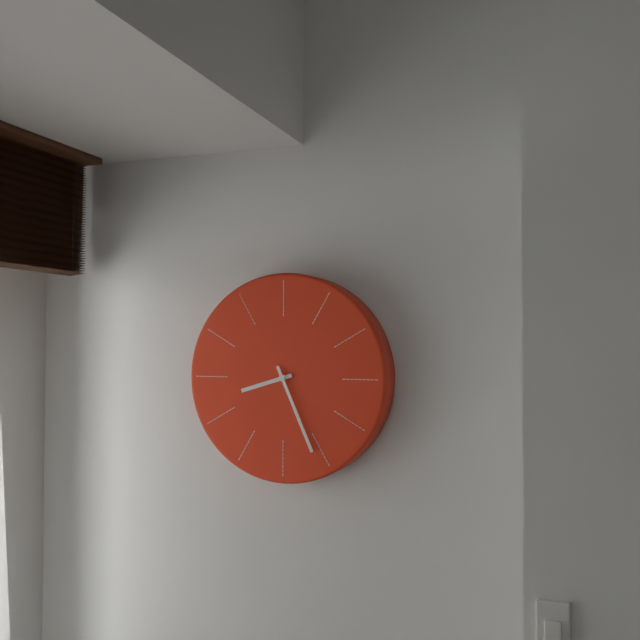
8,26
